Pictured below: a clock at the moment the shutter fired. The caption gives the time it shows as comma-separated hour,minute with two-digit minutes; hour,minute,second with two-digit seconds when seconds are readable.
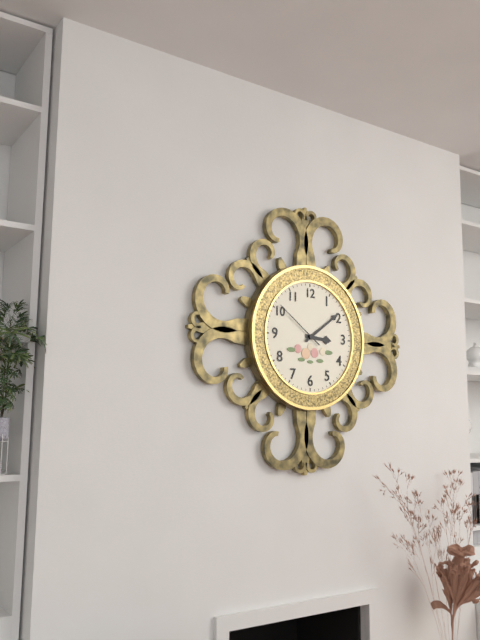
3,09,51
